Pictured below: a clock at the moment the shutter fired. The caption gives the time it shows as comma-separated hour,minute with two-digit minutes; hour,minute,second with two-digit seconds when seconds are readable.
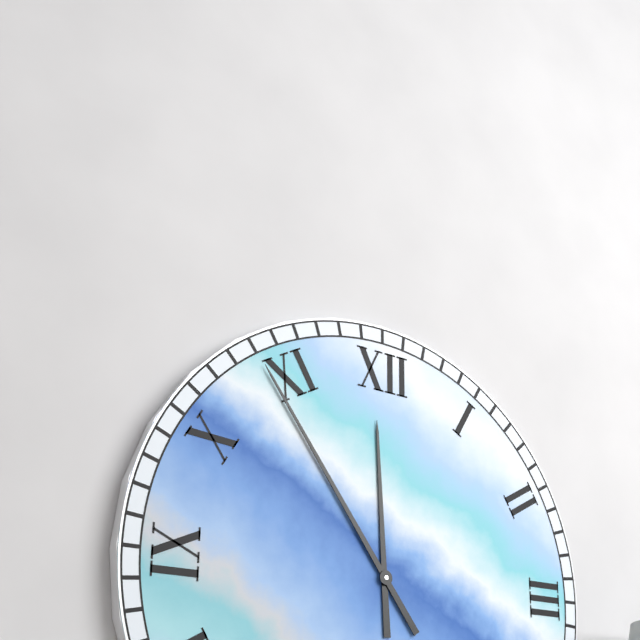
11,54
